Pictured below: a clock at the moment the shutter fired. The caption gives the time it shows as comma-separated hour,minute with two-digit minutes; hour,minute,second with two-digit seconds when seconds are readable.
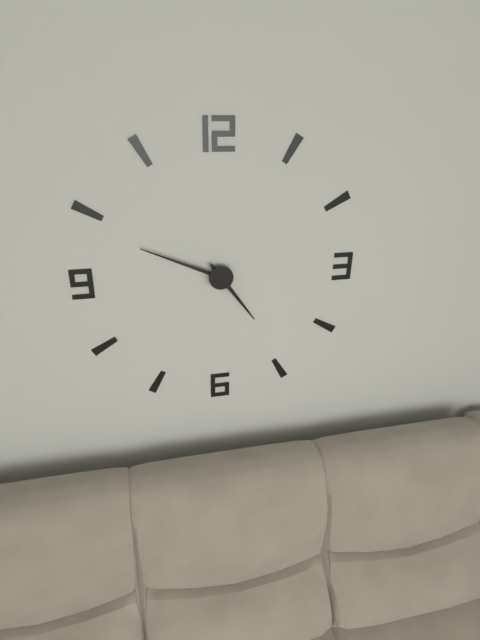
4,49
